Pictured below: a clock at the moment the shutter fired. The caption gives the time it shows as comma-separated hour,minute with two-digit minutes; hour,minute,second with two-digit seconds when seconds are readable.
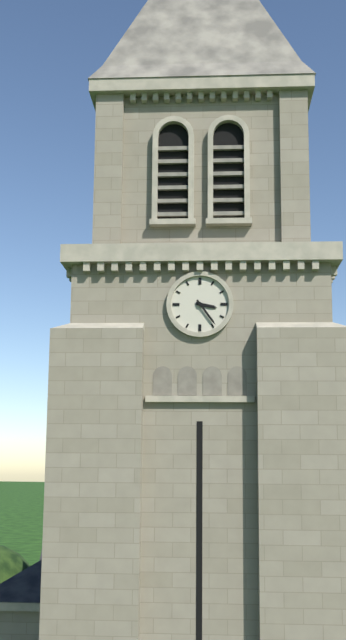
3,24
